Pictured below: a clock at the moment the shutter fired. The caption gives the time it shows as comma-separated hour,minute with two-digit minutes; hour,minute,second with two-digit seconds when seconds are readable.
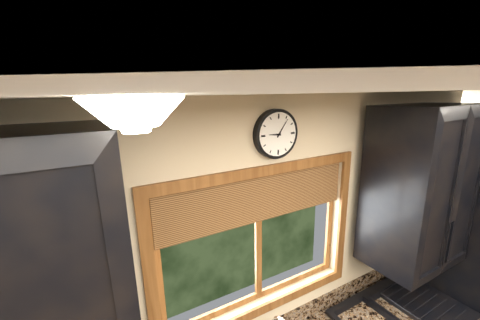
9,06
